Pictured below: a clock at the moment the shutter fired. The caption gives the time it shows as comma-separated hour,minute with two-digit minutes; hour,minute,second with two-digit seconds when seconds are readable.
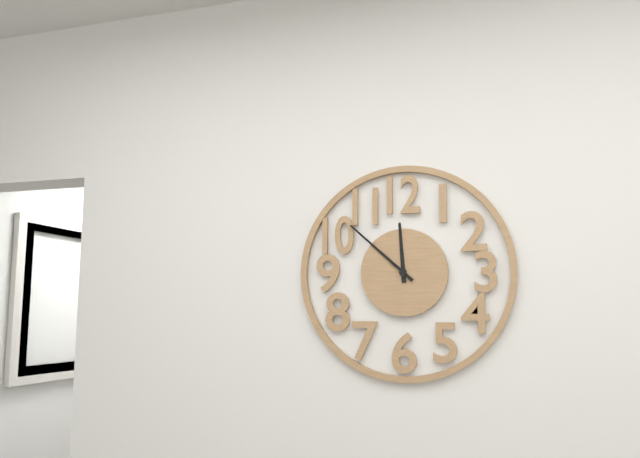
11,52
